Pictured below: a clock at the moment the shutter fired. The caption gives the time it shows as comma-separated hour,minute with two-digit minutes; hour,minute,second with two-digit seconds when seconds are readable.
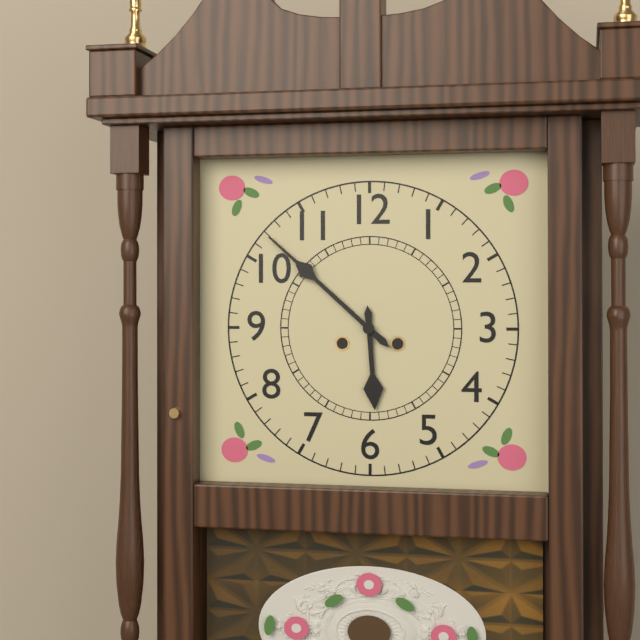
5,52
